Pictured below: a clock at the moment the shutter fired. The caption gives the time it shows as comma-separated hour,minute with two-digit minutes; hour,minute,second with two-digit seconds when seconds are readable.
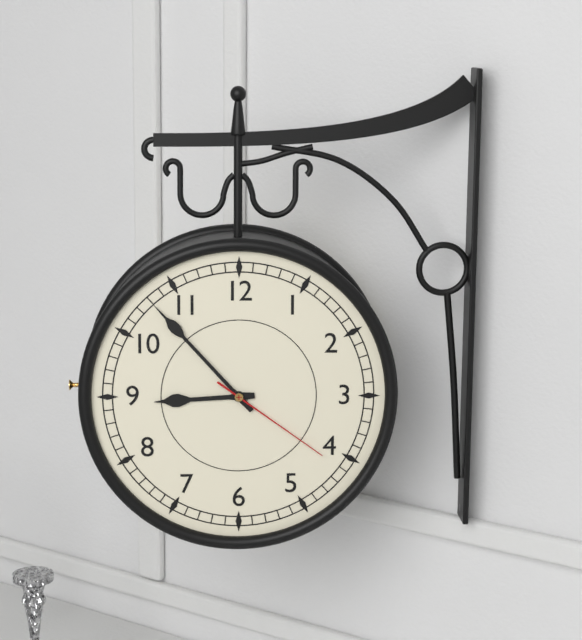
8,53,21
